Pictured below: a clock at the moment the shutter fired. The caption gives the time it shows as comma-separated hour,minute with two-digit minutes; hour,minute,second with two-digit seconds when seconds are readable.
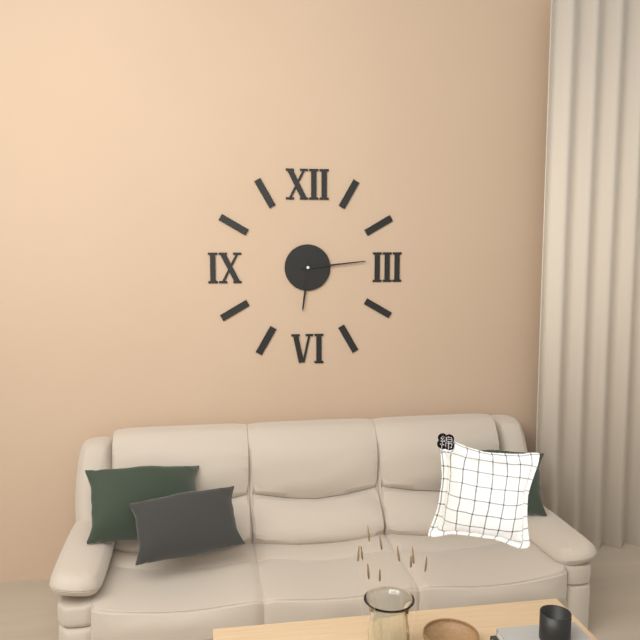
6,14
